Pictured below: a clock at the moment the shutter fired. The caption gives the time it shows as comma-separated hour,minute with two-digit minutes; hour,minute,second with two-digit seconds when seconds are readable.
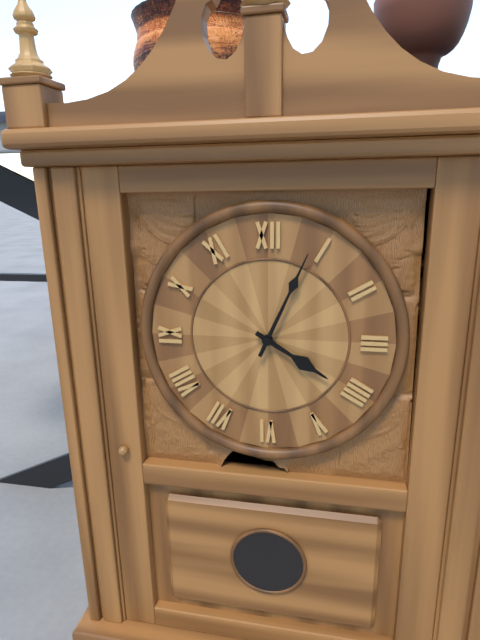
4,04
